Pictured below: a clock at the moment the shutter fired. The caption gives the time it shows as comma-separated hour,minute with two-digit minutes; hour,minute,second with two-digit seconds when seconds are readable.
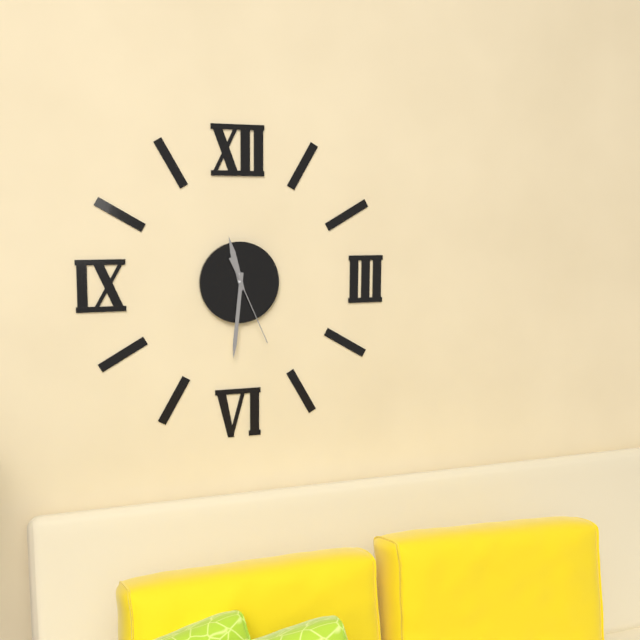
11,31,26
